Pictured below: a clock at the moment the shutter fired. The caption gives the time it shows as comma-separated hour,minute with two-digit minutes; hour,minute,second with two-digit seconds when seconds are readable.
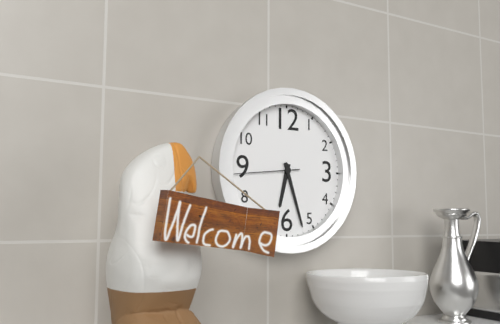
6,27,44
